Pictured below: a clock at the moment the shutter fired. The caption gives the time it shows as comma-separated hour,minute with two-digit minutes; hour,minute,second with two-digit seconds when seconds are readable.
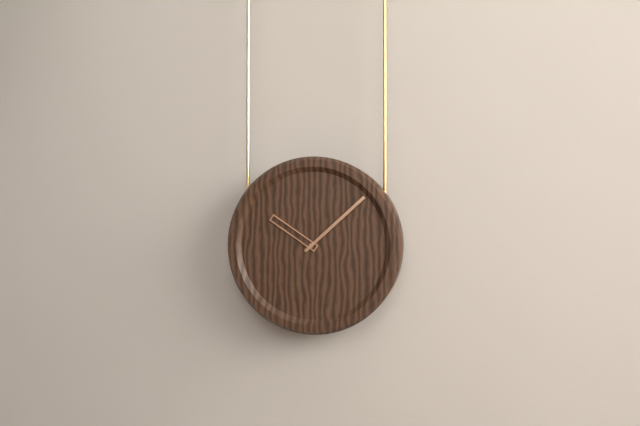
10,08
